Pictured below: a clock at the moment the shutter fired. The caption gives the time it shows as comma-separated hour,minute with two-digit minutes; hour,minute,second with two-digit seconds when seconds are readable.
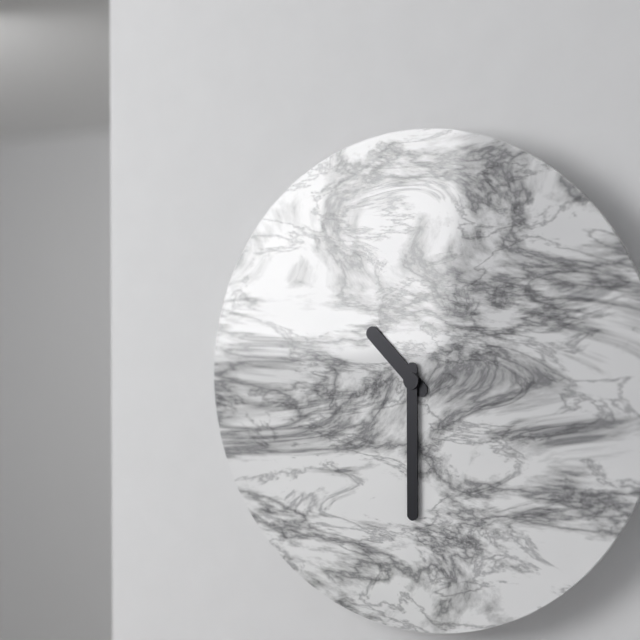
10,30
